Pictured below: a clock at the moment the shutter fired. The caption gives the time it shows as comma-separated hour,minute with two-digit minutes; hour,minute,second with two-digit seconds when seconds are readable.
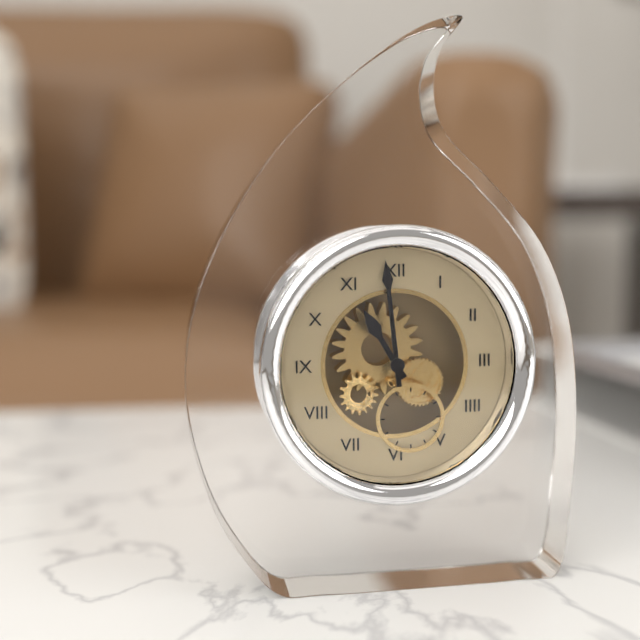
10,59
